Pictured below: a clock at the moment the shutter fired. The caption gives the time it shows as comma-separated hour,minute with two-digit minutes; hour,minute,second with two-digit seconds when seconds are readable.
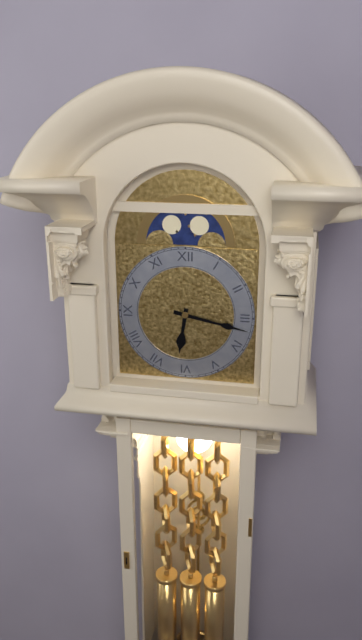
6,17
